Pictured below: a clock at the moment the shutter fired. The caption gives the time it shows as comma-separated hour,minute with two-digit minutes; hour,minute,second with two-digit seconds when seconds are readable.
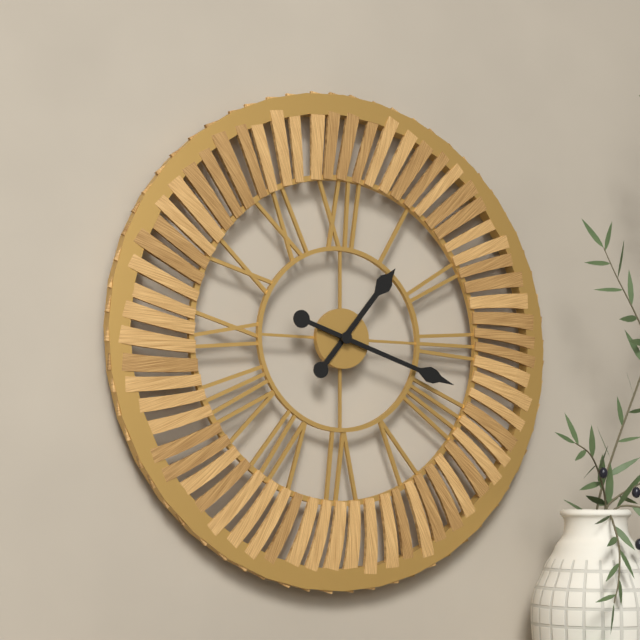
1,18
